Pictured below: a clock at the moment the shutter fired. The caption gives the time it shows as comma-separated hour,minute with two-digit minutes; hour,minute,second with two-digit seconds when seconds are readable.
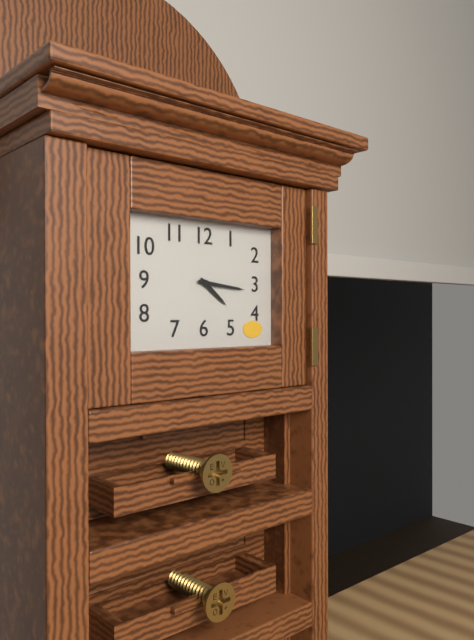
4,16
